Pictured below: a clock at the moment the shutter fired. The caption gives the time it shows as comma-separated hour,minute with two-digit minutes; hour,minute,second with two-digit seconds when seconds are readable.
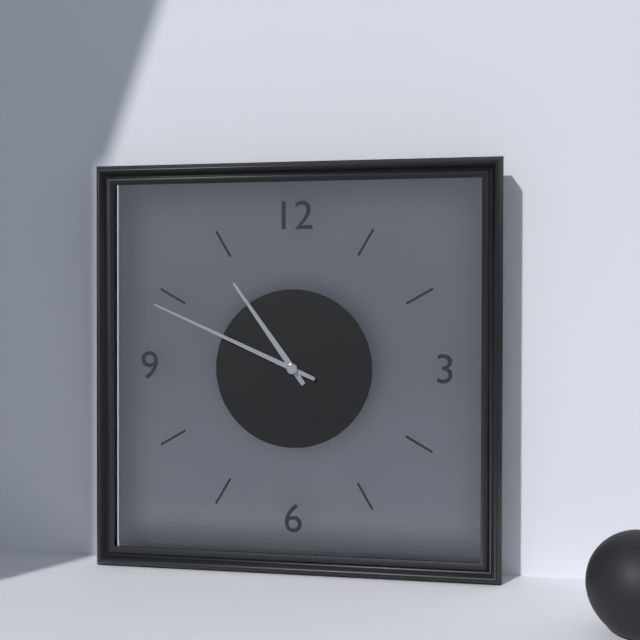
10,49
